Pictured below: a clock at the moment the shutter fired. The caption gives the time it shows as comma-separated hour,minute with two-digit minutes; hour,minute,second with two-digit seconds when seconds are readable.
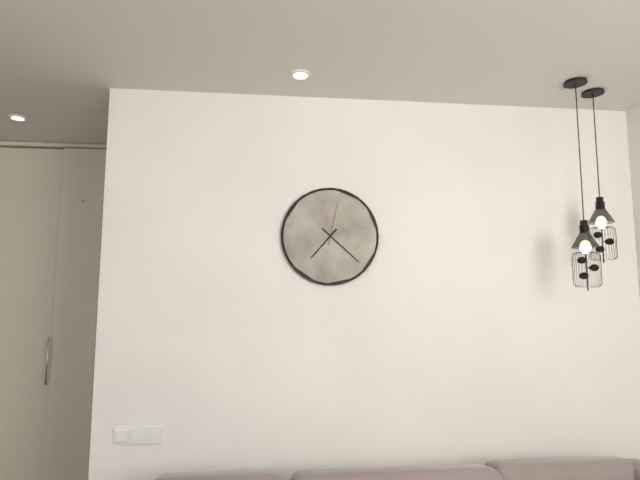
7,22
